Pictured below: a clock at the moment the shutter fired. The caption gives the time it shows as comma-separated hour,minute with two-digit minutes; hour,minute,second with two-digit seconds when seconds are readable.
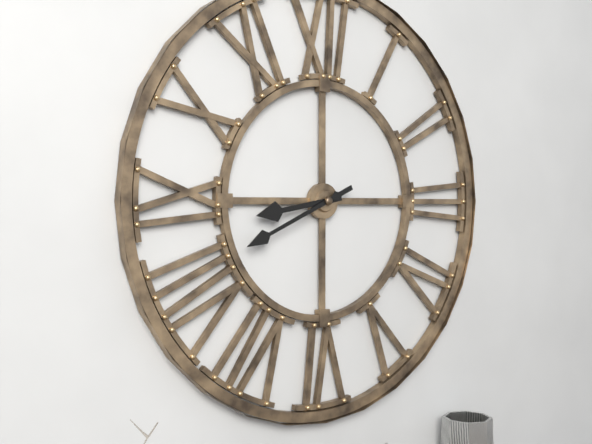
8,41
